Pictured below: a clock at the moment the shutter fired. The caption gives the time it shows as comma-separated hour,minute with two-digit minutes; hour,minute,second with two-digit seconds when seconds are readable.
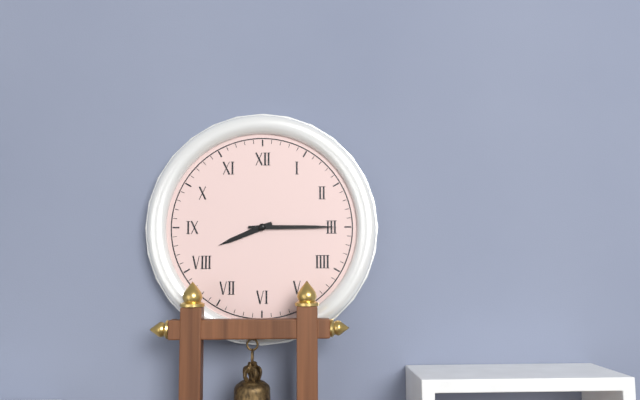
8,15
